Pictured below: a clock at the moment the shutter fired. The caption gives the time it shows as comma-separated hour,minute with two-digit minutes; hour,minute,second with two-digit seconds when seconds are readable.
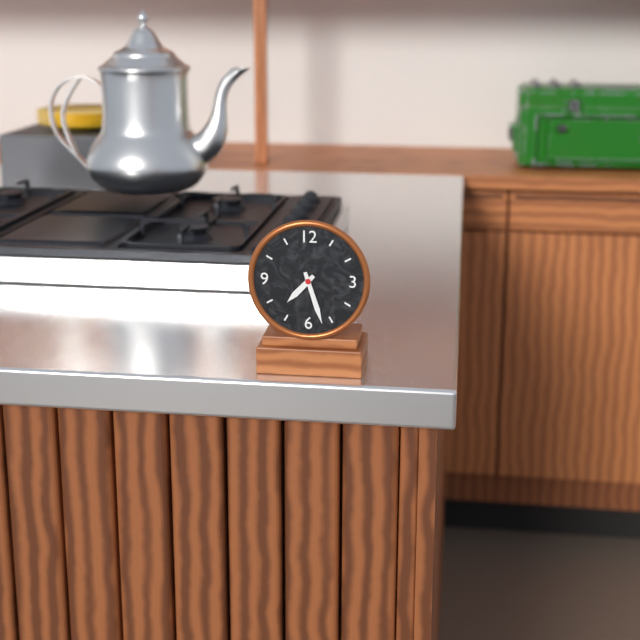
7,27
